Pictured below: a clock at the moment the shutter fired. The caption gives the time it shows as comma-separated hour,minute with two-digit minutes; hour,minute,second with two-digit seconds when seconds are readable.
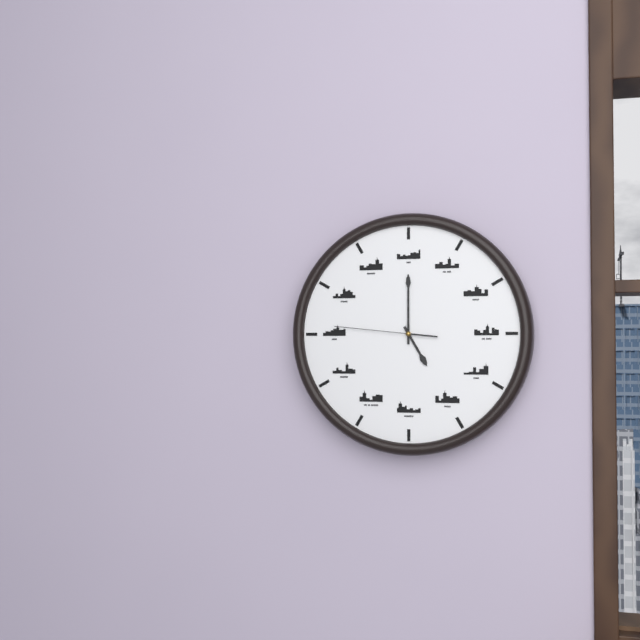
5,00,46
